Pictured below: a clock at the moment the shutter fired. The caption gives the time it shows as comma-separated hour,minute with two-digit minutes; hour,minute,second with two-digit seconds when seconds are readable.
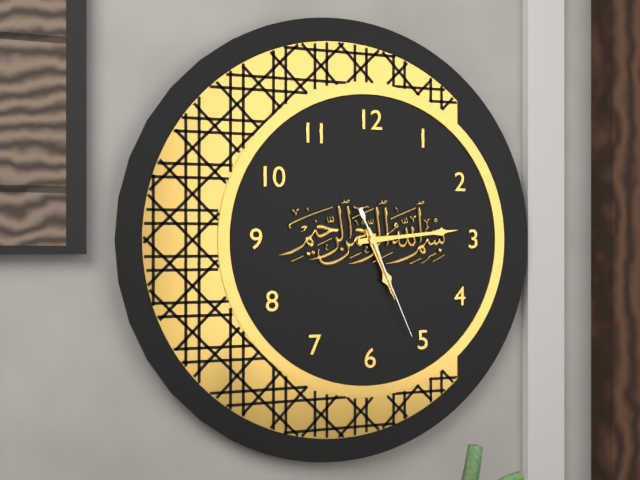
5,14,26
